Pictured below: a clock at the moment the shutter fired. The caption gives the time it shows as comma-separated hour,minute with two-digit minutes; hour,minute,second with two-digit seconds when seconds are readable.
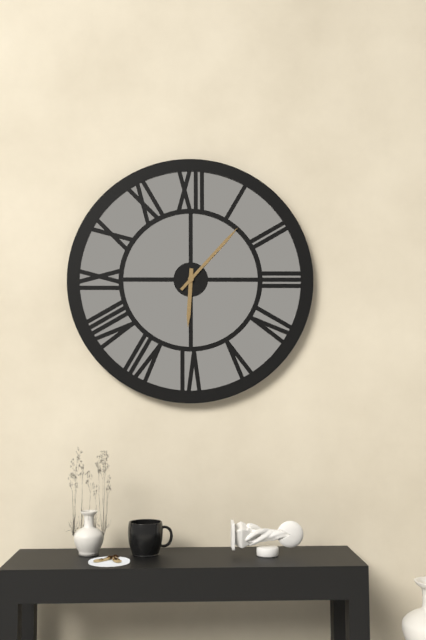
6,07
